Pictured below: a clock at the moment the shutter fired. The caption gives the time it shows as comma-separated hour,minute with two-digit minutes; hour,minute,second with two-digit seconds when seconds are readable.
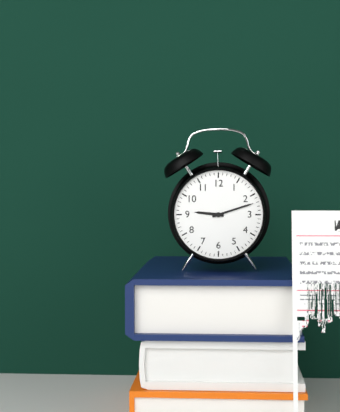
9,12
